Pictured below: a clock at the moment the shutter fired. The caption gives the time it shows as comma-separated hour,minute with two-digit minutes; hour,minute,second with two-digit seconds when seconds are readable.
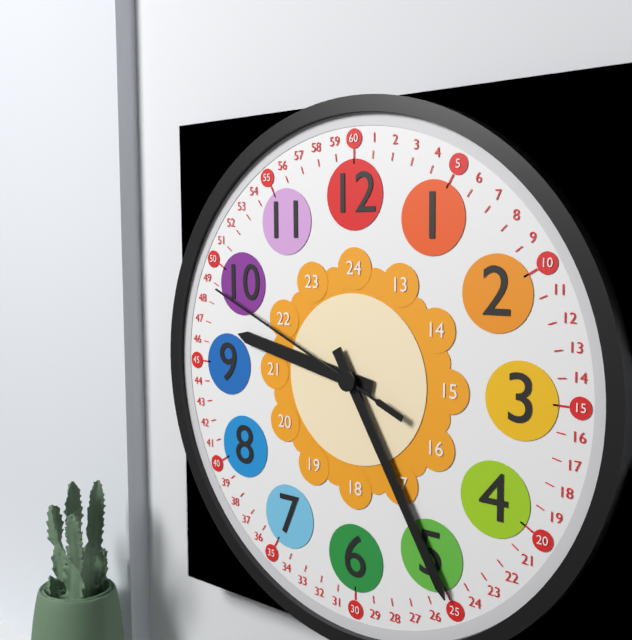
9,25,49
